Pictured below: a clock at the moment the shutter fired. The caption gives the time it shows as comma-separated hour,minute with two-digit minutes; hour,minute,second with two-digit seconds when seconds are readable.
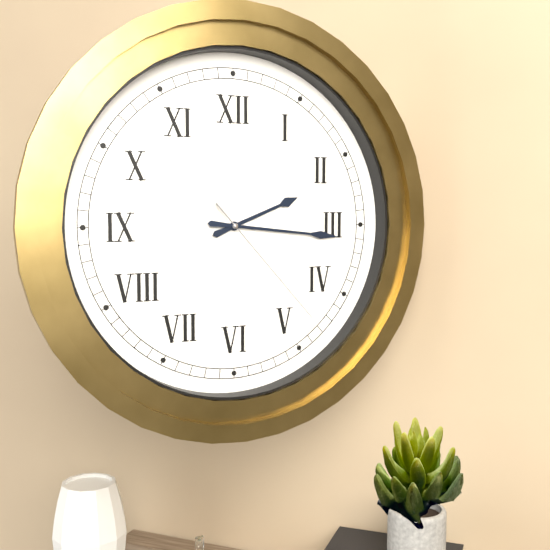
2,16,23
